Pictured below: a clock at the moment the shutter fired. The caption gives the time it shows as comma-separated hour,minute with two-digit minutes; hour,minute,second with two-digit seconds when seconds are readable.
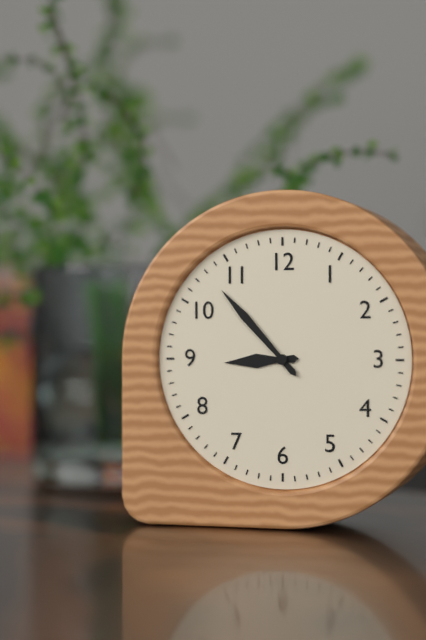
8,53
